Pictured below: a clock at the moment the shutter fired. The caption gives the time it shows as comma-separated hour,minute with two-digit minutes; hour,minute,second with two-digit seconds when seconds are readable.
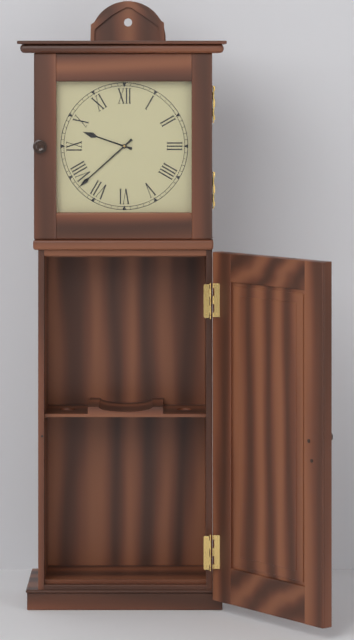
9,38
